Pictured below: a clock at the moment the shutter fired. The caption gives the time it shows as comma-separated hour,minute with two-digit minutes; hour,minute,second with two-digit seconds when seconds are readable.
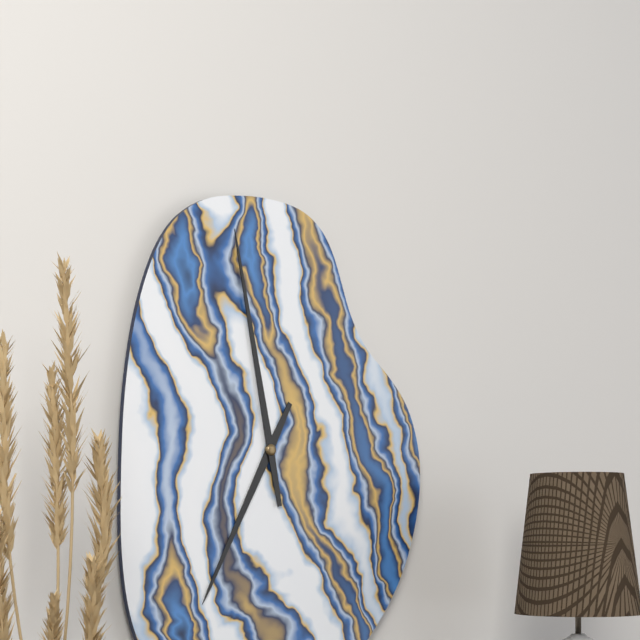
6,58
